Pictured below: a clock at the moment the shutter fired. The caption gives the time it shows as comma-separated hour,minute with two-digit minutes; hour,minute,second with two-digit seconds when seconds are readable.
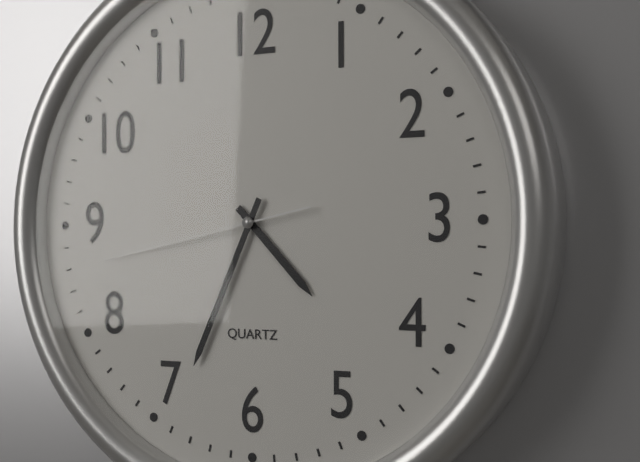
4,34,43
